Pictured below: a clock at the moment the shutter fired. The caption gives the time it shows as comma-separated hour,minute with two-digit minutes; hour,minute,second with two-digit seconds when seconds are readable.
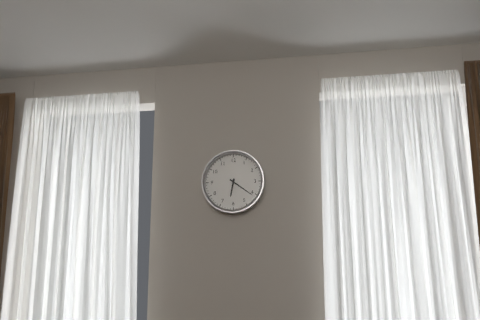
6,21
